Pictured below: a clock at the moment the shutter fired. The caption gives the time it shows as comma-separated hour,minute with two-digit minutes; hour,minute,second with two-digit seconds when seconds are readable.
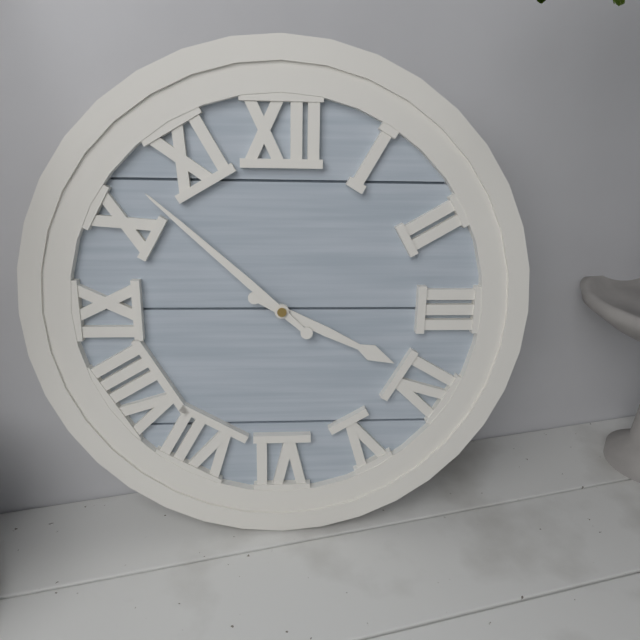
3,52
